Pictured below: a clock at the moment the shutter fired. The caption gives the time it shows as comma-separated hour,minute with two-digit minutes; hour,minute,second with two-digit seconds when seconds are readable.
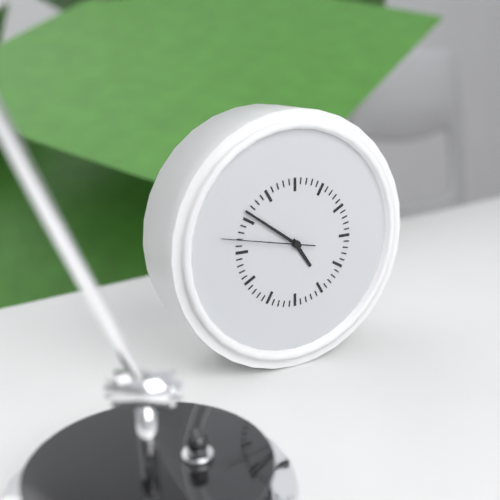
4,51,47
